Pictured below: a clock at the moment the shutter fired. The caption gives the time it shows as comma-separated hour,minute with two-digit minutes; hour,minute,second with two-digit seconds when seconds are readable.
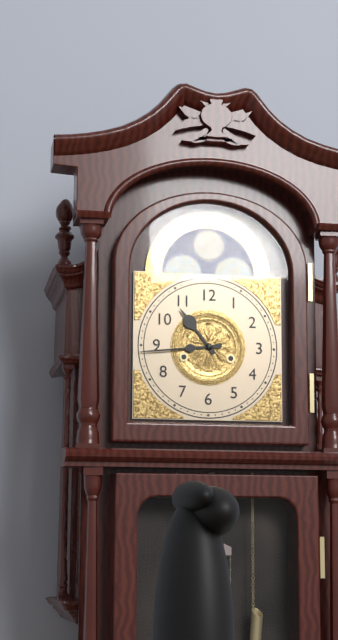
10,44
